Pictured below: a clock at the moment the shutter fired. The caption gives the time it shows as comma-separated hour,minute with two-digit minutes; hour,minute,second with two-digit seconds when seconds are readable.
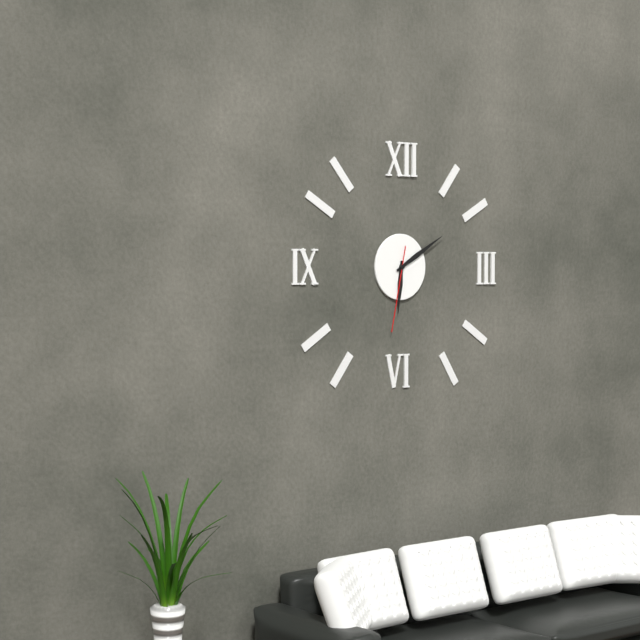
6,10,32
